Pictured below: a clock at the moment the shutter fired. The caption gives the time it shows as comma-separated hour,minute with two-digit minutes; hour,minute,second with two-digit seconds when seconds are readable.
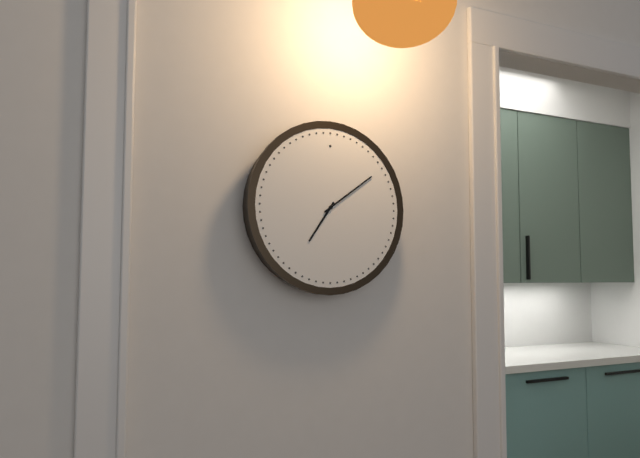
7,09
